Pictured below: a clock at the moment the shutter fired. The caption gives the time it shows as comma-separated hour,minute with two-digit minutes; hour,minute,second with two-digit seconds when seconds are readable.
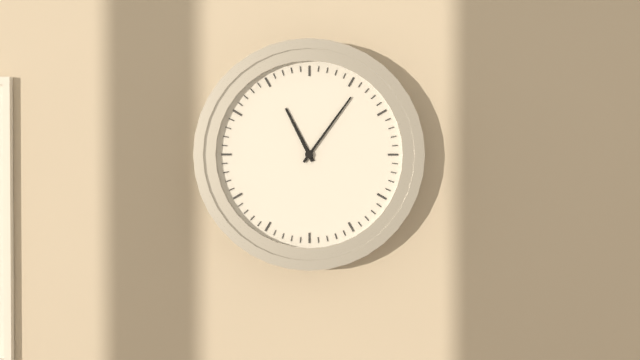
11,06
